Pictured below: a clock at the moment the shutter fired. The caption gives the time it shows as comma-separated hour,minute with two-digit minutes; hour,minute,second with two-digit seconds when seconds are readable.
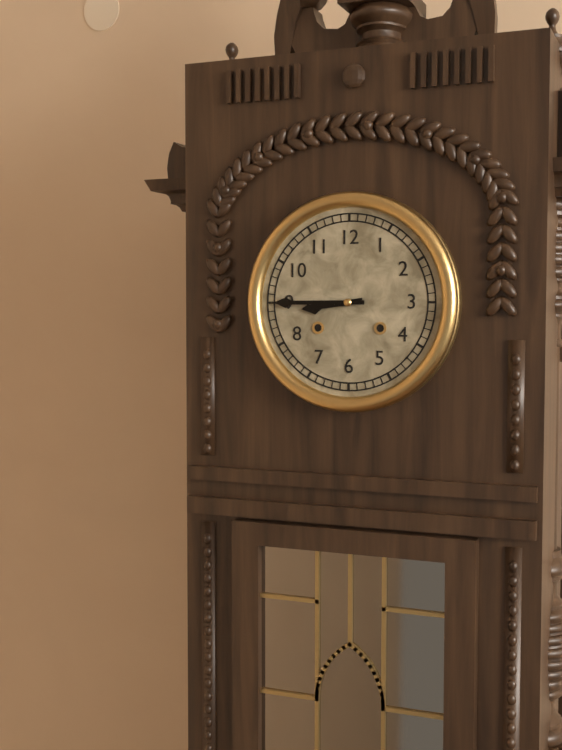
8,45
